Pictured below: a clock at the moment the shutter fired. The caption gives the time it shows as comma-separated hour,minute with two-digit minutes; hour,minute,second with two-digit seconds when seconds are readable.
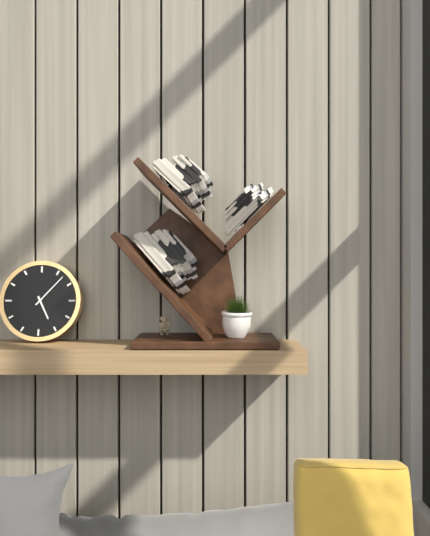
5,07
